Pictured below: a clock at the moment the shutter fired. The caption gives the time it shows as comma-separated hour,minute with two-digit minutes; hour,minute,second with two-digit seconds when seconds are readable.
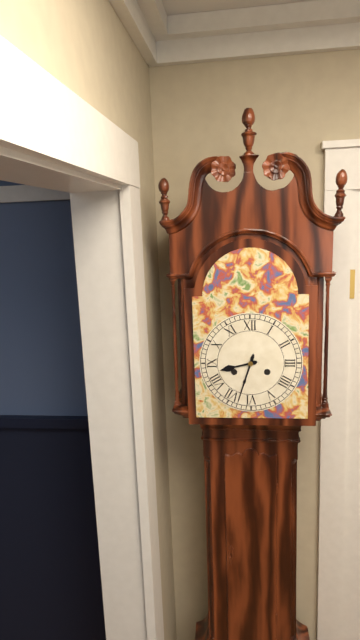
8,33
